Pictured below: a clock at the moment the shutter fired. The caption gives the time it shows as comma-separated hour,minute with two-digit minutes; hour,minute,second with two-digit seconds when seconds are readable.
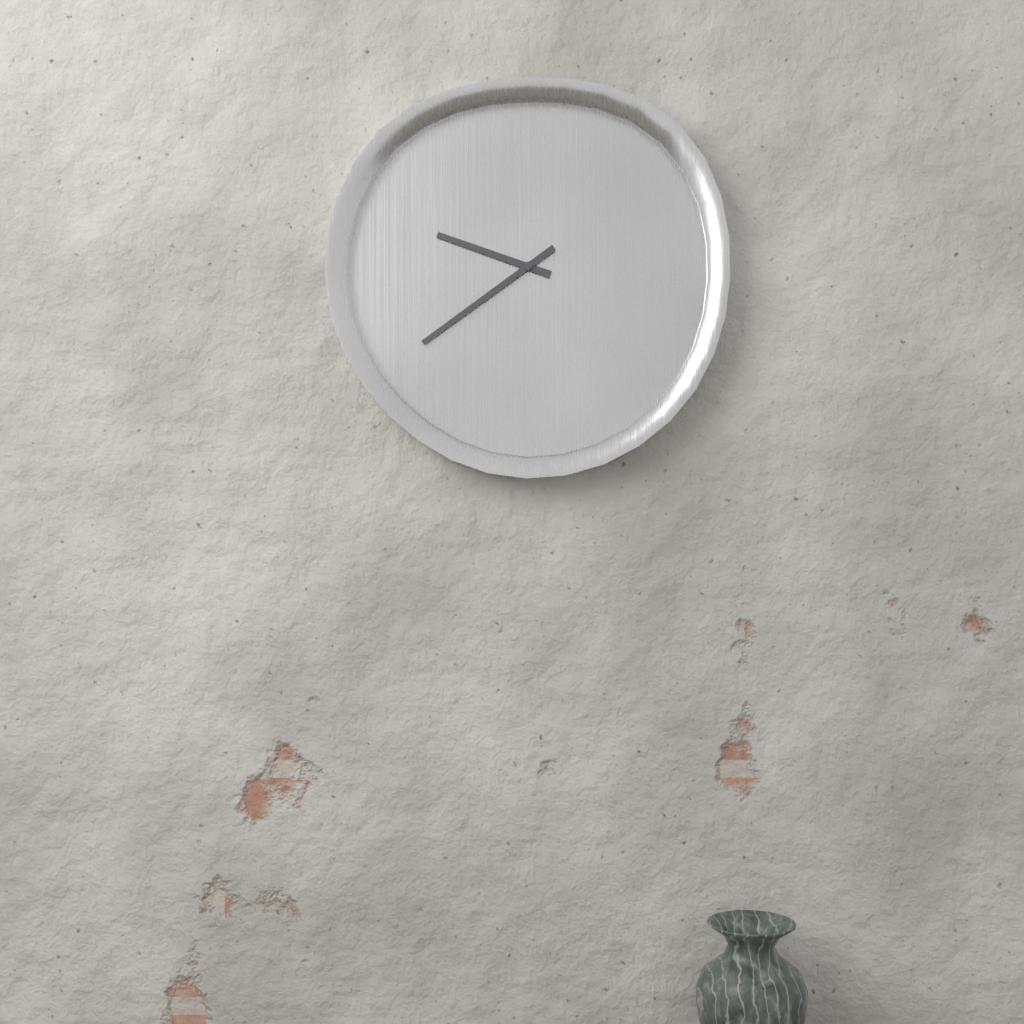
9,39
